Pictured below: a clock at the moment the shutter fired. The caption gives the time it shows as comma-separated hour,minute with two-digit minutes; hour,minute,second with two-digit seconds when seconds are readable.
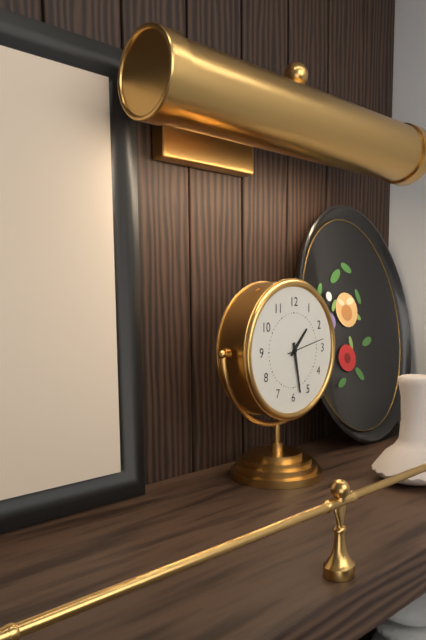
1,28
